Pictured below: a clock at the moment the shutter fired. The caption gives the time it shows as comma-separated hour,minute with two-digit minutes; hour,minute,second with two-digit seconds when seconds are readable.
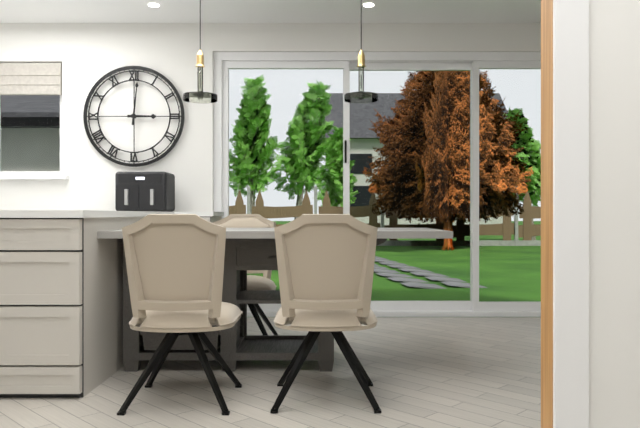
3,01
